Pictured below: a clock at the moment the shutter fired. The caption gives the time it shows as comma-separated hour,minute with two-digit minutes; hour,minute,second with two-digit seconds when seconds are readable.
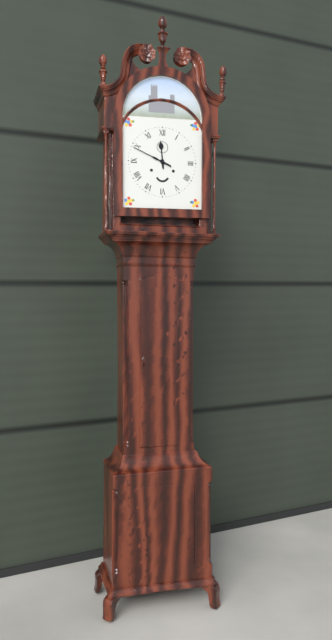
11,49
